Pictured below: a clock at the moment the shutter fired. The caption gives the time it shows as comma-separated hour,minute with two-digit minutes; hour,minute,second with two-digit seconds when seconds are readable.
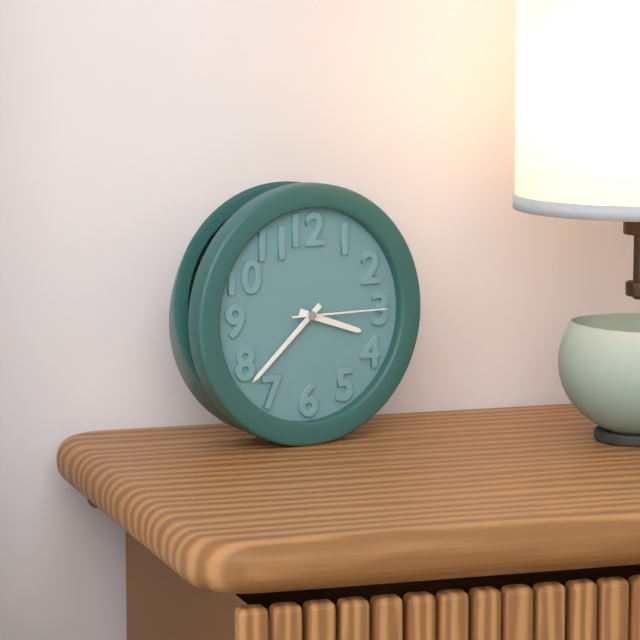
3,38,15
